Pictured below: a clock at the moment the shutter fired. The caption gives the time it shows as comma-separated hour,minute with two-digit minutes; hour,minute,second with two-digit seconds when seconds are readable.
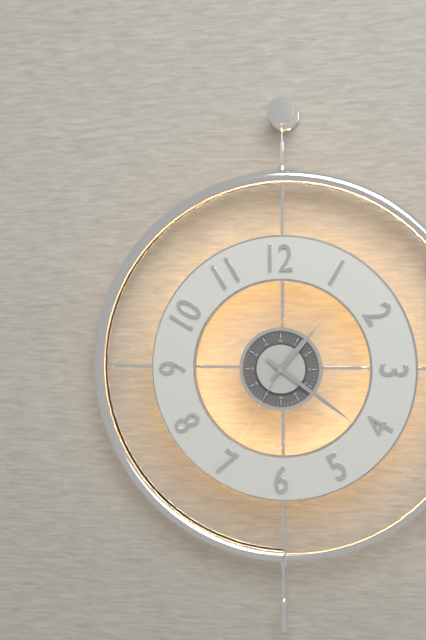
1,21,35
